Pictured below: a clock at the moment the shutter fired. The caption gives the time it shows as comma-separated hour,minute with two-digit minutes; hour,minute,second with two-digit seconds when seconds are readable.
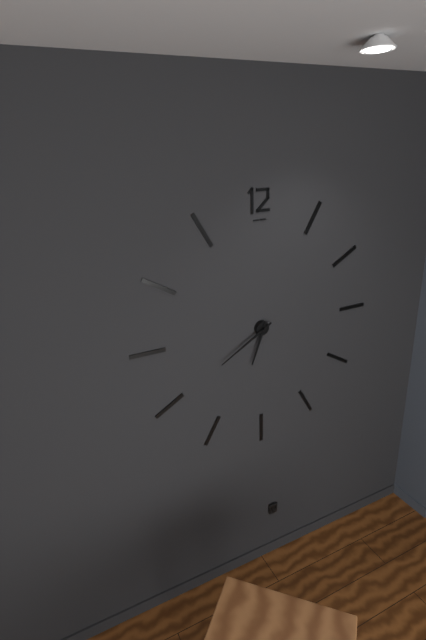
6,40
